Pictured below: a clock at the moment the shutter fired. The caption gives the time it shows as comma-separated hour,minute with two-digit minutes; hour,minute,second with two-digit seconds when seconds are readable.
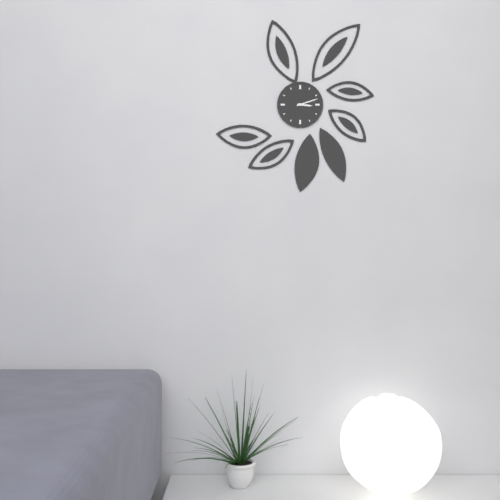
3,12
